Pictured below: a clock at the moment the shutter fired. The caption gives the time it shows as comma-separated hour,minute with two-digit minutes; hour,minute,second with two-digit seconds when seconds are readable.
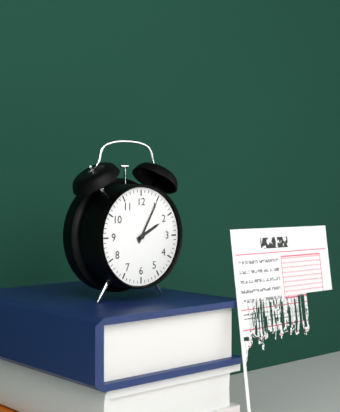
2,05
